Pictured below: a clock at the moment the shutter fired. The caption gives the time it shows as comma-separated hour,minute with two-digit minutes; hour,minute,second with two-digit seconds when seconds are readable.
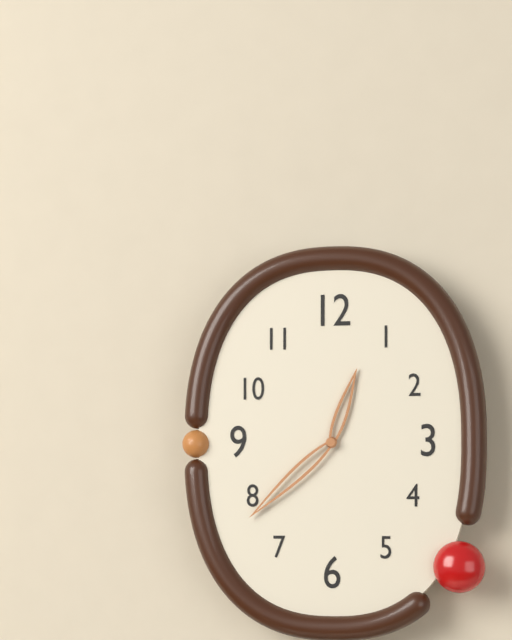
12,38
